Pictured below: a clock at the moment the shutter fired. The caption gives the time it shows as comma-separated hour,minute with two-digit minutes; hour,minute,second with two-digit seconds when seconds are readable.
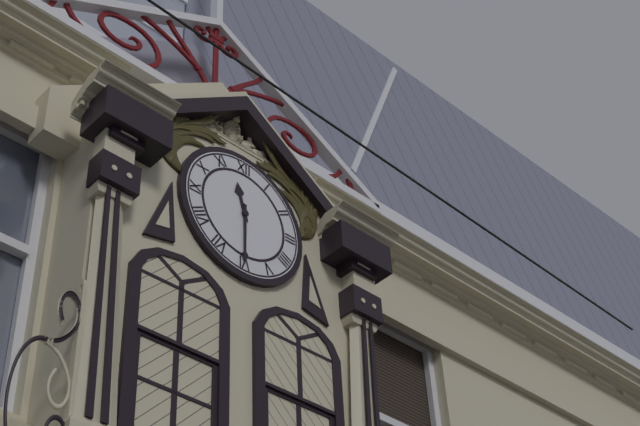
11,30
